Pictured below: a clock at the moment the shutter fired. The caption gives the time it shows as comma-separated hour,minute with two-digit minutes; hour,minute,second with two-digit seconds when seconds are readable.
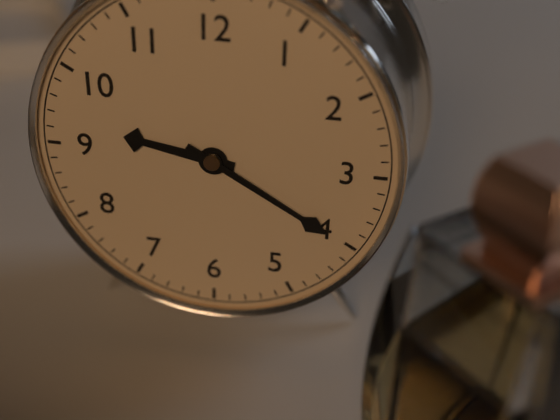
9,20
